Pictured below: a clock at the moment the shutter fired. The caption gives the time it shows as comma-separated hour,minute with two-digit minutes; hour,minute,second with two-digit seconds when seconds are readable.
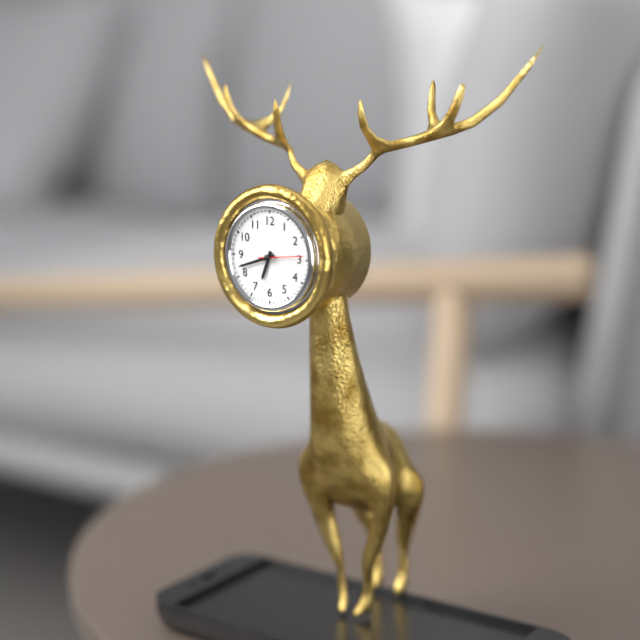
6,42
